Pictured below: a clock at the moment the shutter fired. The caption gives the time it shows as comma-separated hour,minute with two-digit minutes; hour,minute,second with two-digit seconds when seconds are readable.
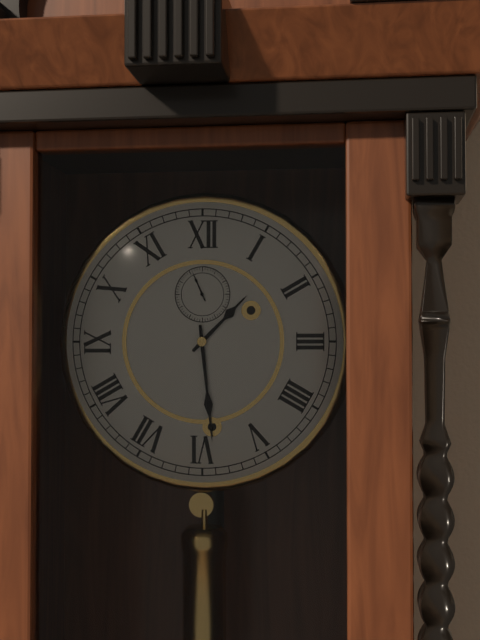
1,29
